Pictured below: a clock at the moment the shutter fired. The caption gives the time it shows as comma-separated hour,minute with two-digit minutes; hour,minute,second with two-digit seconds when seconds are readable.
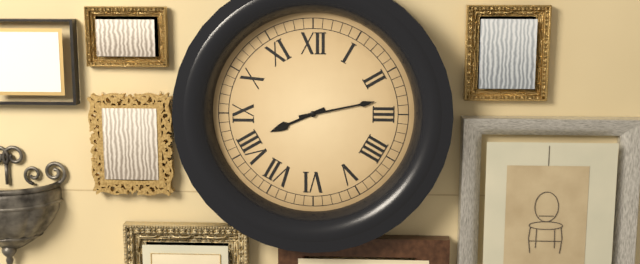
8,13
